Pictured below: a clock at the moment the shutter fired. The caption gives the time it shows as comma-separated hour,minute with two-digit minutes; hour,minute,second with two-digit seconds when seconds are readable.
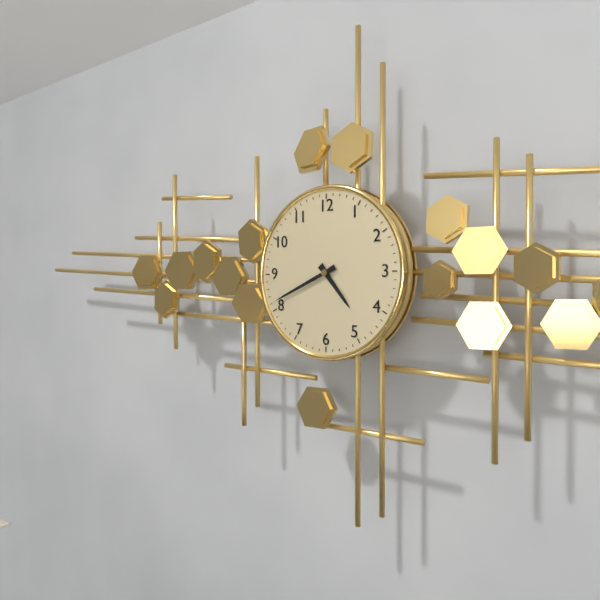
4,41
